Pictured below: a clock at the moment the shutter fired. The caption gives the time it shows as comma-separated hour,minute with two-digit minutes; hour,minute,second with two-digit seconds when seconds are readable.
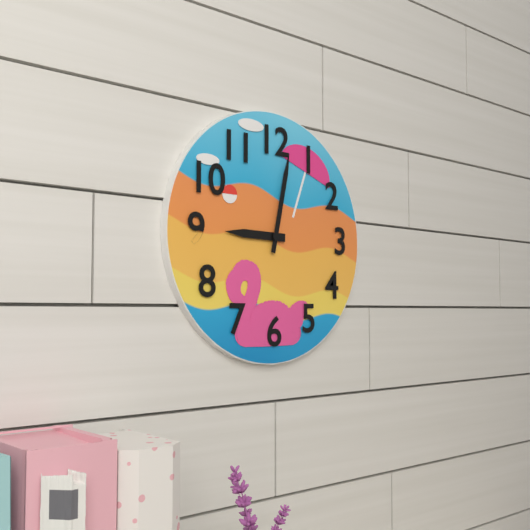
9,02
